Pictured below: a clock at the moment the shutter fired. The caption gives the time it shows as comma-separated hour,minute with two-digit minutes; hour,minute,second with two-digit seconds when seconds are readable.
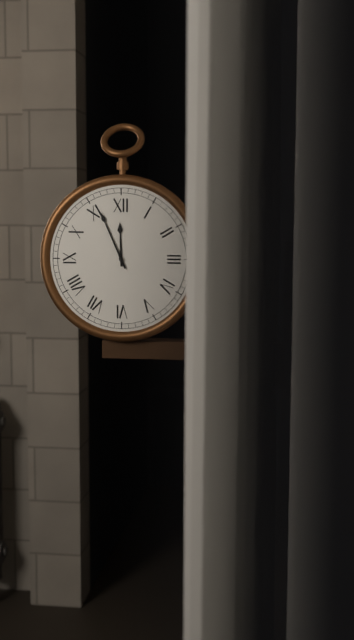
11,56
